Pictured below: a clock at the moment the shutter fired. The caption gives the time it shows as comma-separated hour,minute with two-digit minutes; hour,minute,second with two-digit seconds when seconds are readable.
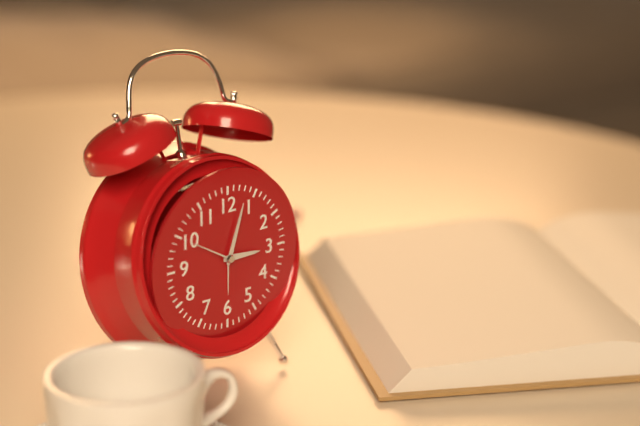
3,03,50
